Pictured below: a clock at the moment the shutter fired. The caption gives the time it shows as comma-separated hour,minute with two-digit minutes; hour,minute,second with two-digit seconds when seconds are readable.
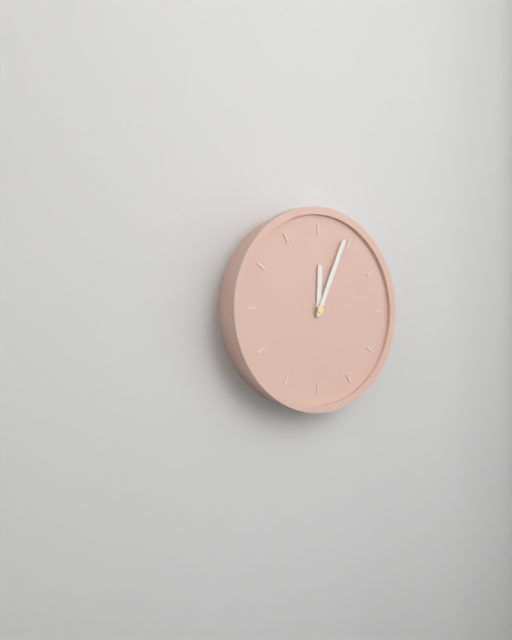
12,04
